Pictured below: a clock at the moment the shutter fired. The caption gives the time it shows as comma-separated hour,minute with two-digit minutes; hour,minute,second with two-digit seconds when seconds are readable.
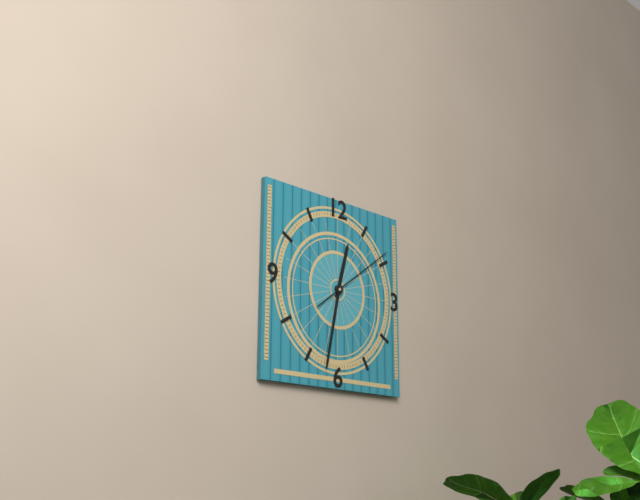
12,32,09
